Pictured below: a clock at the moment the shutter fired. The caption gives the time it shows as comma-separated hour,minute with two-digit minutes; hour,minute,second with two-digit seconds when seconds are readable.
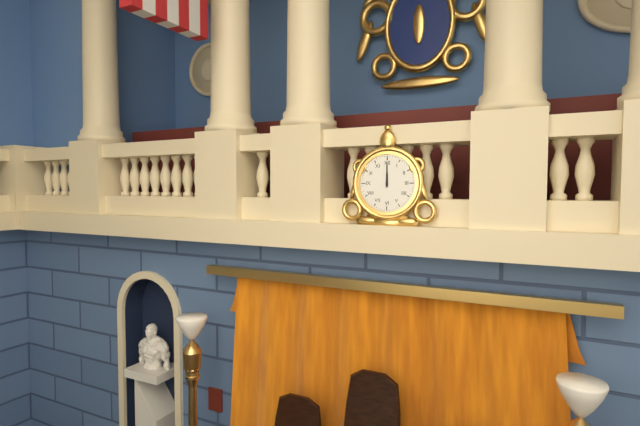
12,00
